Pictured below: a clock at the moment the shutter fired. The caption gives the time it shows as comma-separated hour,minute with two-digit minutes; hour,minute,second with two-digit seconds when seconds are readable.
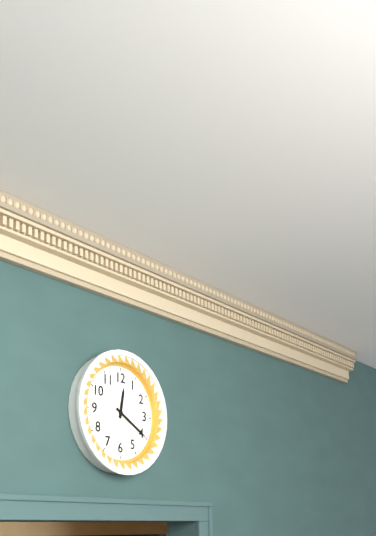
12,20
